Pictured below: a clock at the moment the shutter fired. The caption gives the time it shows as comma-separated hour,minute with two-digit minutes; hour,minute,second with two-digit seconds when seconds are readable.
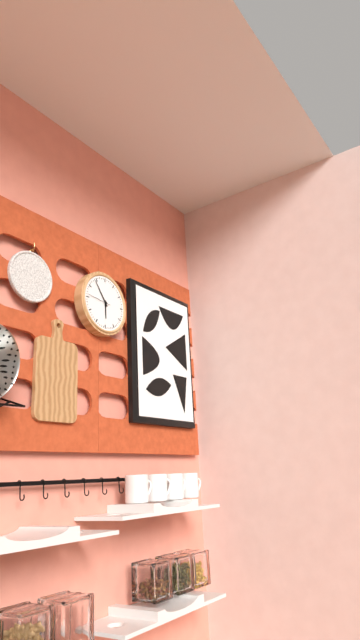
5,54
